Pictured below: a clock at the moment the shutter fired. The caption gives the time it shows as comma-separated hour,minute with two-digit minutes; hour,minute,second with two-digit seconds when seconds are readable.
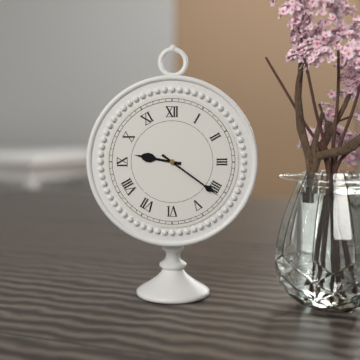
9,21
